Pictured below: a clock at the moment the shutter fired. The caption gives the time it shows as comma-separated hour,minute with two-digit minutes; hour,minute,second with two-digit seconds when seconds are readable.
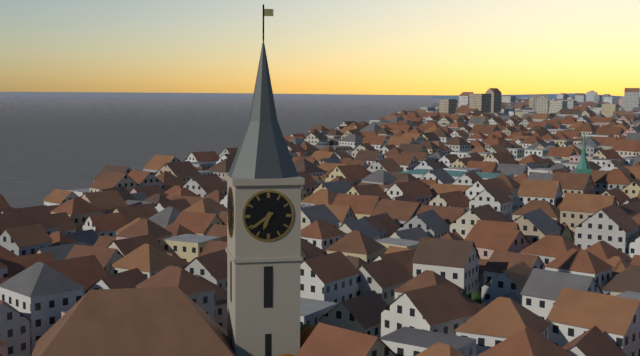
6,39
